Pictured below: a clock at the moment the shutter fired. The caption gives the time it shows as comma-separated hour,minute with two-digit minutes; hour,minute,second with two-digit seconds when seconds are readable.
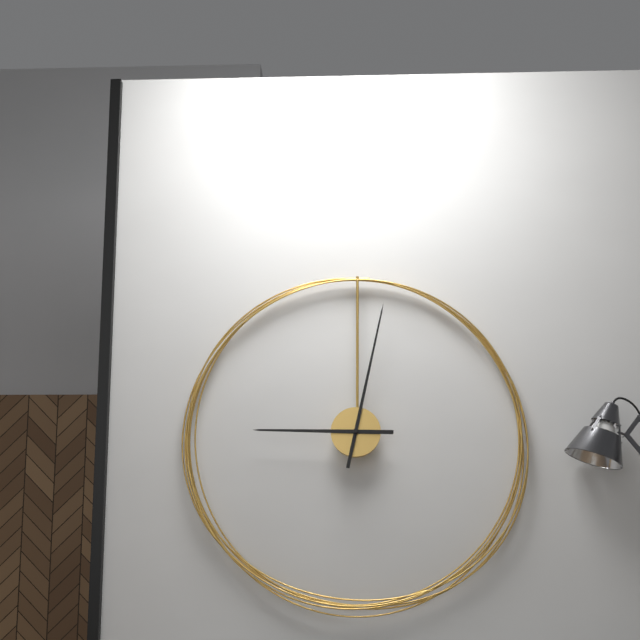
9,02
